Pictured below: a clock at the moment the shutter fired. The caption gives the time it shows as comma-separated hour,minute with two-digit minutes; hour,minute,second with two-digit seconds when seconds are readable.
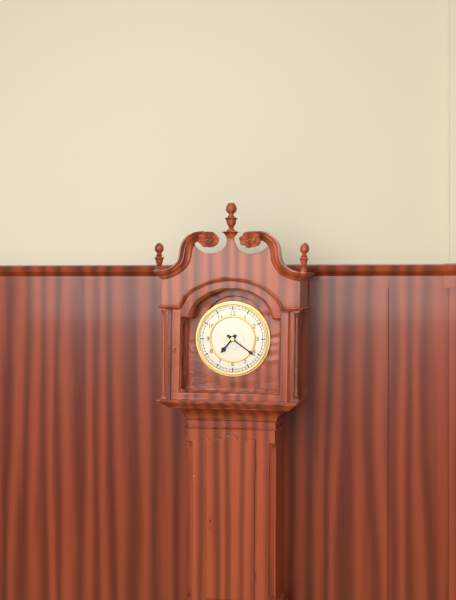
7,21
